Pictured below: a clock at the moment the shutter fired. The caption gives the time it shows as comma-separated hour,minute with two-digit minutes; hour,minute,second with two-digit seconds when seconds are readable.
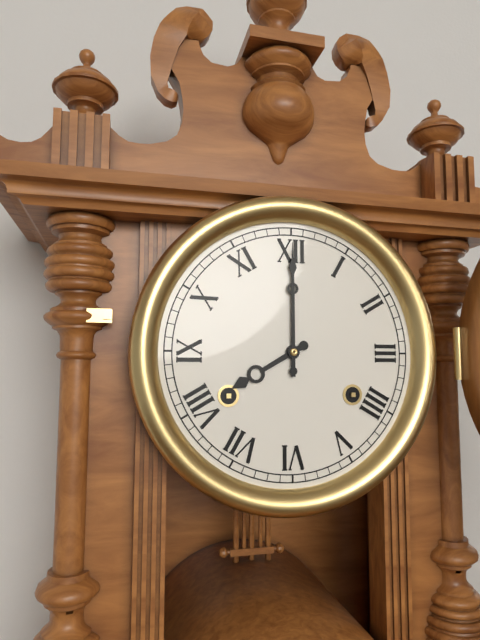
8,00
